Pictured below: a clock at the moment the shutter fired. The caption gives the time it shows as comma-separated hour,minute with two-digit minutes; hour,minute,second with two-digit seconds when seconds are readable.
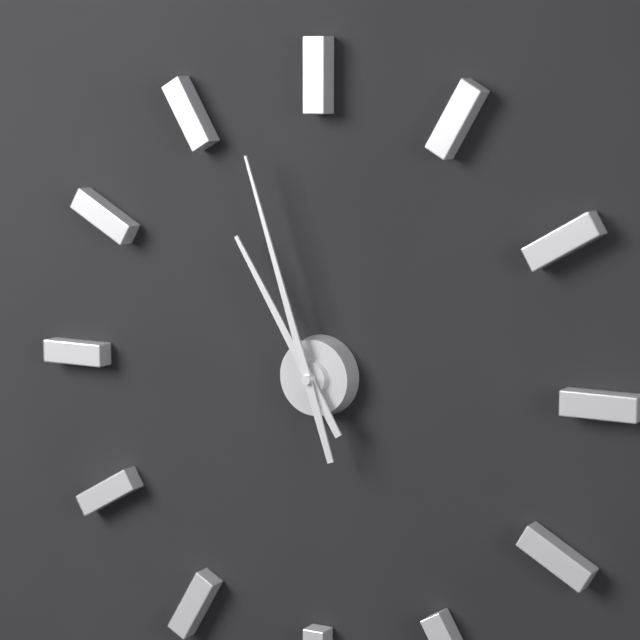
10,57
